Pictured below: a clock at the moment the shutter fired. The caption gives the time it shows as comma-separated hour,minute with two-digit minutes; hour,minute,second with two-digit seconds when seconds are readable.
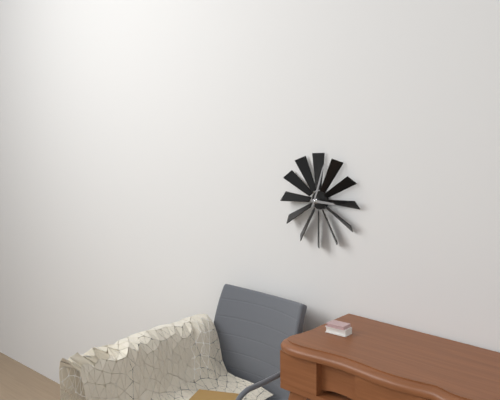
3,03
